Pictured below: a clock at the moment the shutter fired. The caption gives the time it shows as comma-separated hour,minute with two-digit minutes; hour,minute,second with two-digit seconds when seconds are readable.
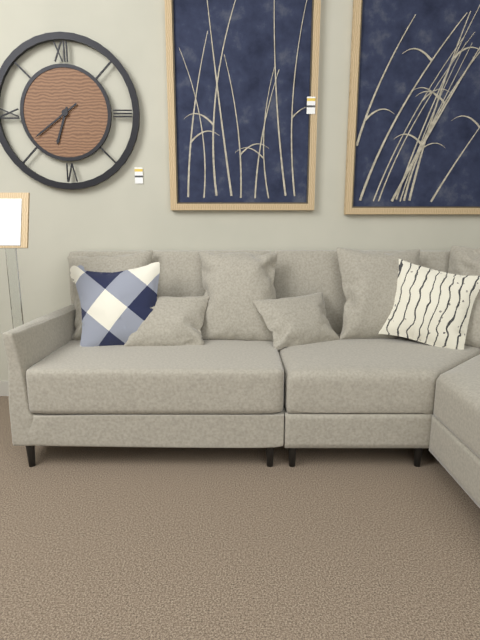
6,39
